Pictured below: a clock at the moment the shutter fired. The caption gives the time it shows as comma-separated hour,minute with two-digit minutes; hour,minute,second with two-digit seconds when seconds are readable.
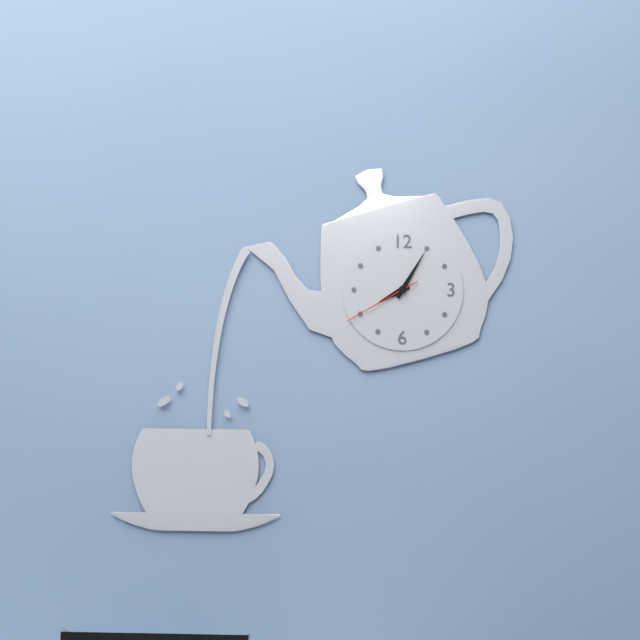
8,05,40
